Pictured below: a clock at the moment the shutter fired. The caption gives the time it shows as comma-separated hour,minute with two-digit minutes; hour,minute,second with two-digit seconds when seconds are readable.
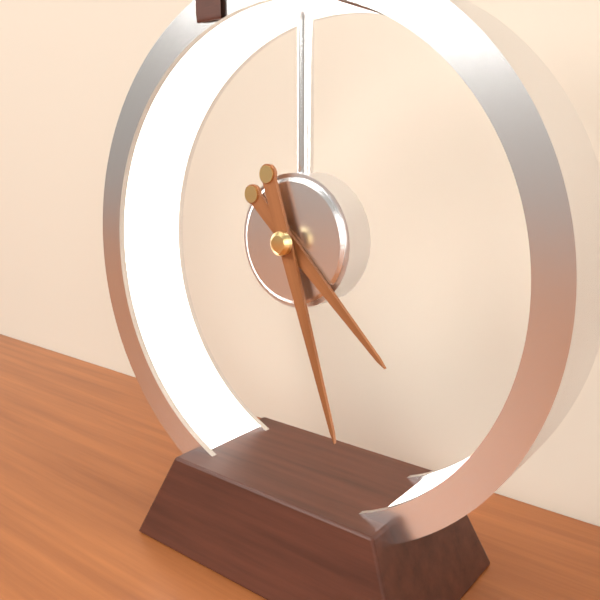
4,27
